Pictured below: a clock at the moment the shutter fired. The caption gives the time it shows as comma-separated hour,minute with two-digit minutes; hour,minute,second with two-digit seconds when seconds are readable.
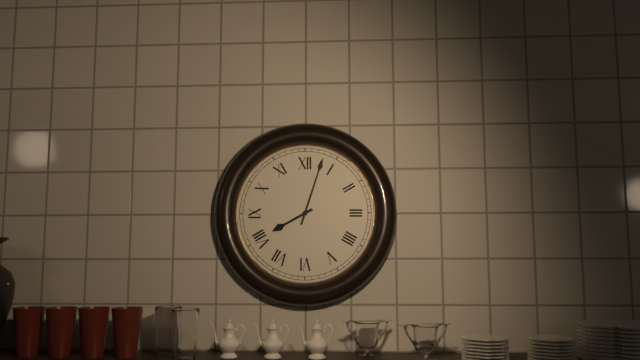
8,03
